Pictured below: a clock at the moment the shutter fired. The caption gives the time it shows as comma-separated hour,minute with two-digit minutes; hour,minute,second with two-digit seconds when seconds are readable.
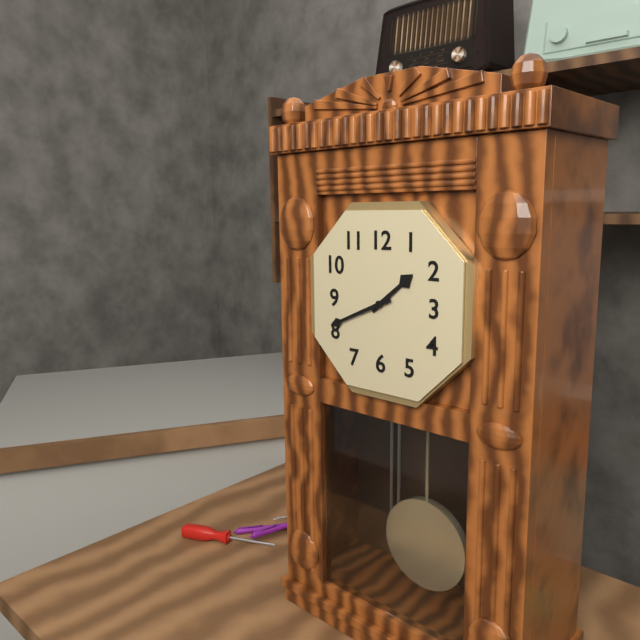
1,41
